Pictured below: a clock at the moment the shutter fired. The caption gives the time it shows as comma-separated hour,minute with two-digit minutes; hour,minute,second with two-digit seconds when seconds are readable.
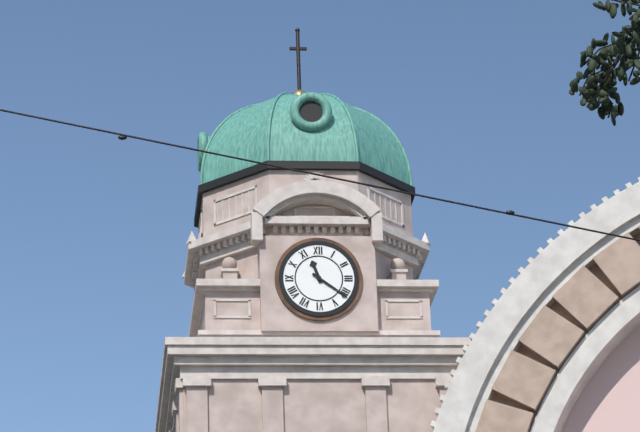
11,21
